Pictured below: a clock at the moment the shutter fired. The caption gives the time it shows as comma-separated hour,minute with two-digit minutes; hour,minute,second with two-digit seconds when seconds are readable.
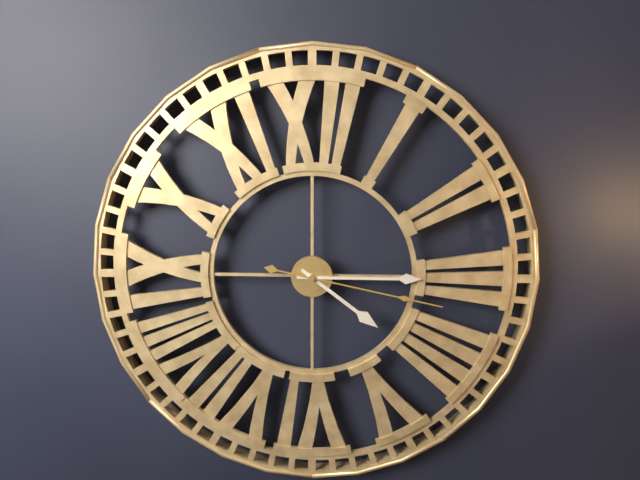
4,15,17
